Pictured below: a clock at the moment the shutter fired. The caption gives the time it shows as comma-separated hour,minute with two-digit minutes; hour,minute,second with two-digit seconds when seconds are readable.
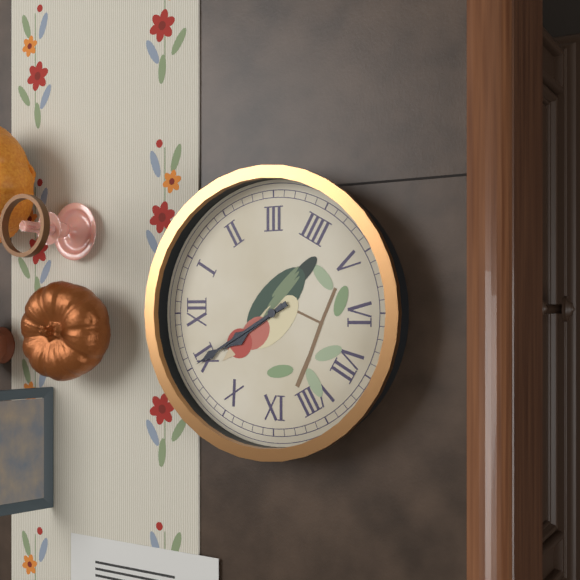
10,55
